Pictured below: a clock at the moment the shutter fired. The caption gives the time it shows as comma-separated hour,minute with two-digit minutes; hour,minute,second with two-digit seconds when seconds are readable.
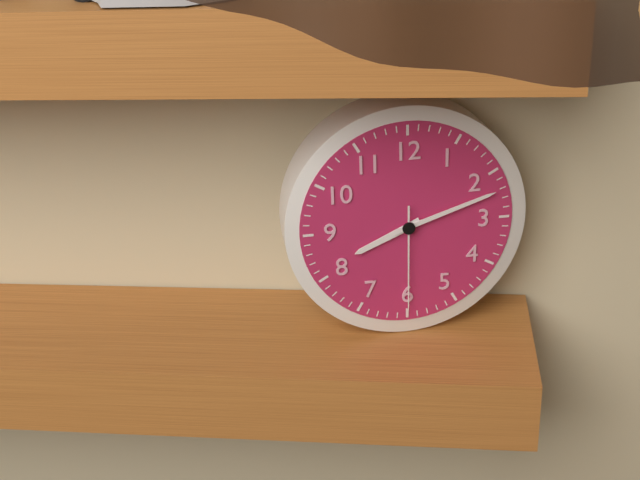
8,12,30
